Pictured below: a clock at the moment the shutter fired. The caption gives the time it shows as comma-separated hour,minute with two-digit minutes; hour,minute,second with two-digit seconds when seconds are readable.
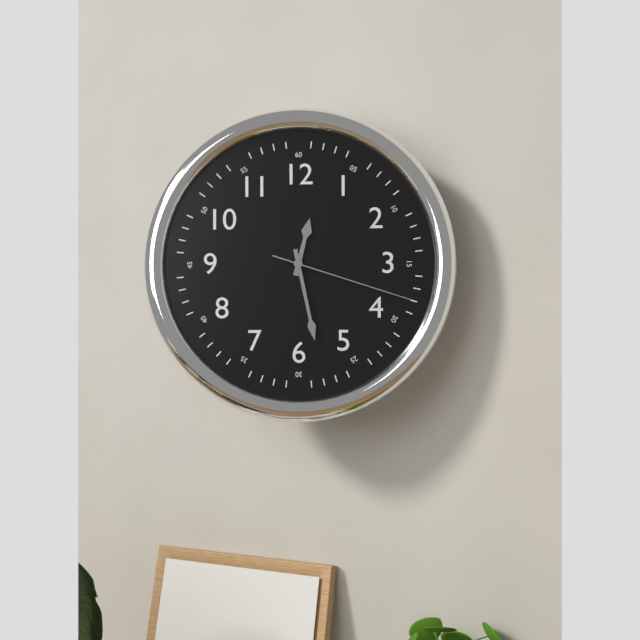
12,28,18
